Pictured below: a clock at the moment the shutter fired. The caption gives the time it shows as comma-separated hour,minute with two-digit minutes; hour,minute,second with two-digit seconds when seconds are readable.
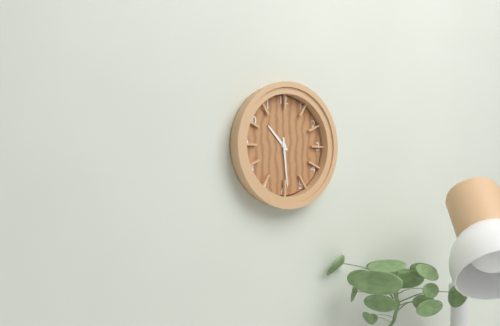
10,29
